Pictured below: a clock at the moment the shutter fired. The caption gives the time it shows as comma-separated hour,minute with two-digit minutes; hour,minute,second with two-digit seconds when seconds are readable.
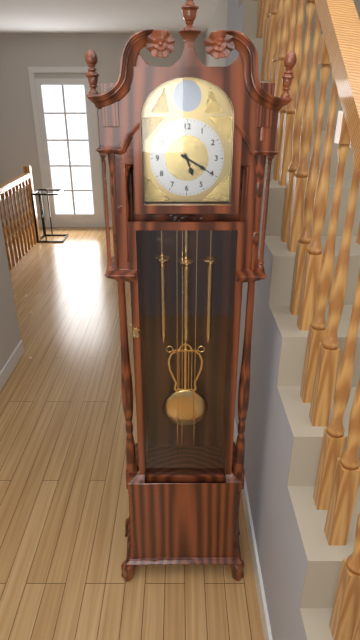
5,20
